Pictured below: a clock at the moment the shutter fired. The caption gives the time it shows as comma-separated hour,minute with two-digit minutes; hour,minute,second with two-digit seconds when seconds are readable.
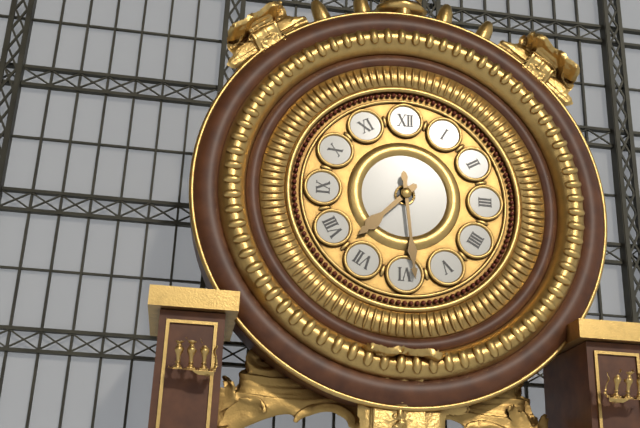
7,29
